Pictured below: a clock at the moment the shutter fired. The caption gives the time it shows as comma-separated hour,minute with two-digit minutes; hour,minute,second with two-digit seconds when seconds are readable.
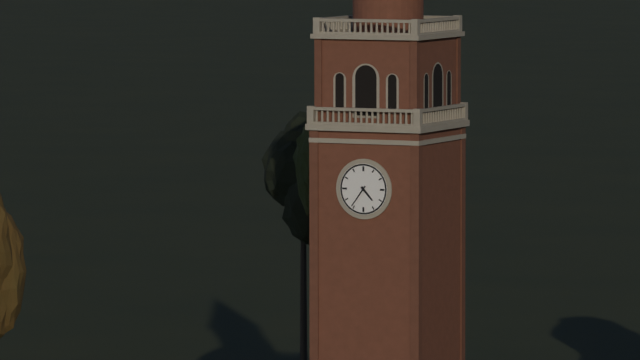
4,36
